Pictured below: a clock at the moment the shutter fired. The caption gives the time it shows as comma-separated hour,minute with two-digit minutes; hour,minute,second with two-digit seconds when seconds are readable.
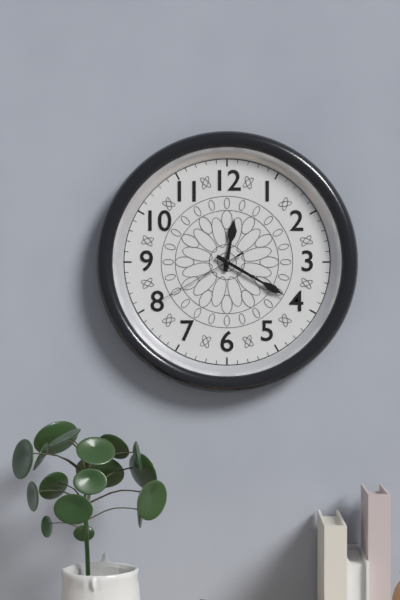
12,20,40
